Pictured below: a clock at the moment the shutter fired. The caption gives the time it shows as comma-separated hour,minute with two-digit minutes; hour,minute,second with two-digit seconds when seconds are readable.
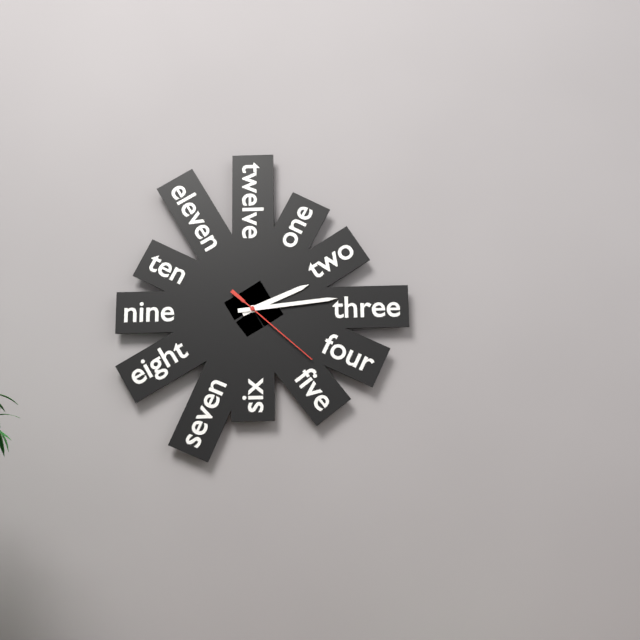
2,14,22
